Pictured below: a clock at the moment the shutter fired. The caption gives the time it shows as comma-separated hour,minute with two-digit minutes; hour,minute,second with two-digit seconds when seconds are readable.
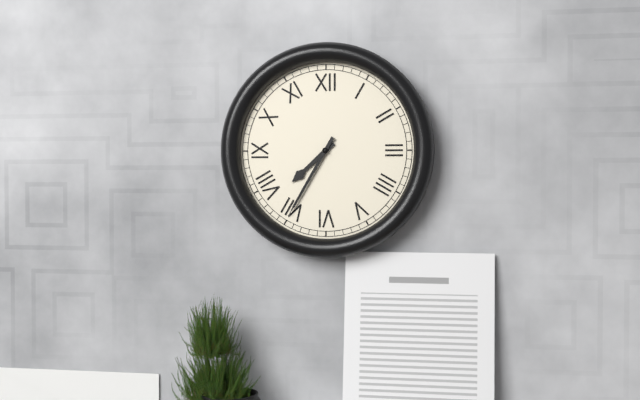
7,35
